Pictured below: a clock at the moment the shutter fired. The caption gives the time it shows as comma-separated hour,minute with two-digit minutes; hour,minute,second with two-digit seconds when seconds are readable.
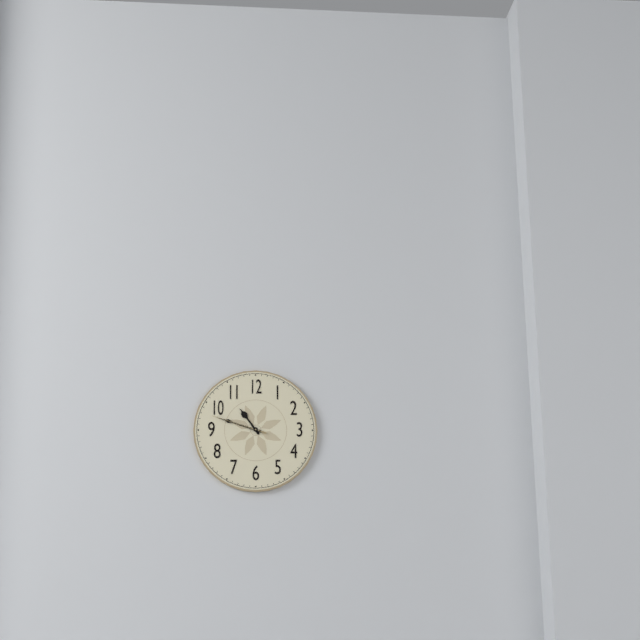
10,48,48
